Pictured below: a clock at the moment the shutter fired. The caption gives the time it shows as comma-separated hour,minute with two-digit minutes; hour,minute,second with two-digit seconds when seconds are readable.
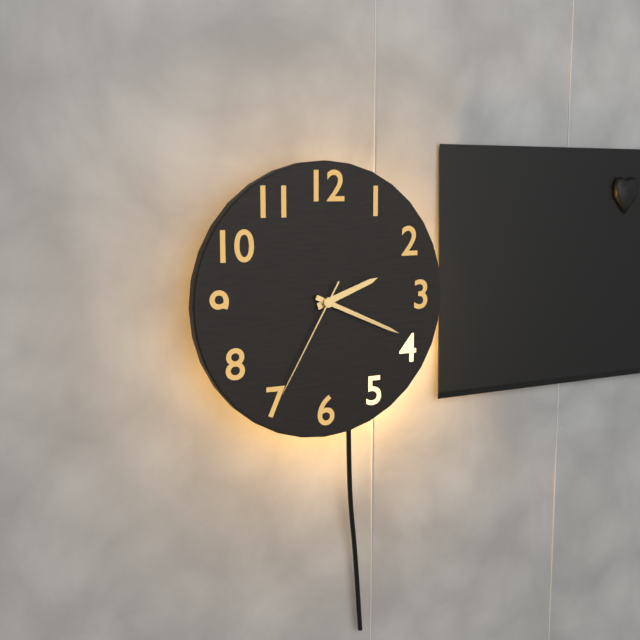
2,19,35
